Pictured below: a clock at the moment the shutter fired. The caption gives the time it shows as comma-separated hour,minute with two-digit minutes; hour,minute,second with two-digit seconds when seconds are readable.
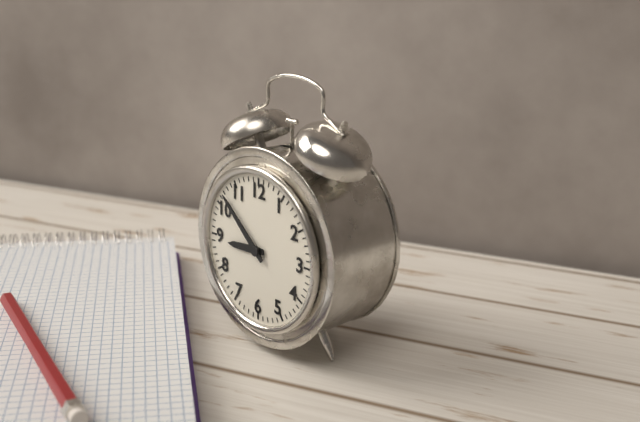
8,52
